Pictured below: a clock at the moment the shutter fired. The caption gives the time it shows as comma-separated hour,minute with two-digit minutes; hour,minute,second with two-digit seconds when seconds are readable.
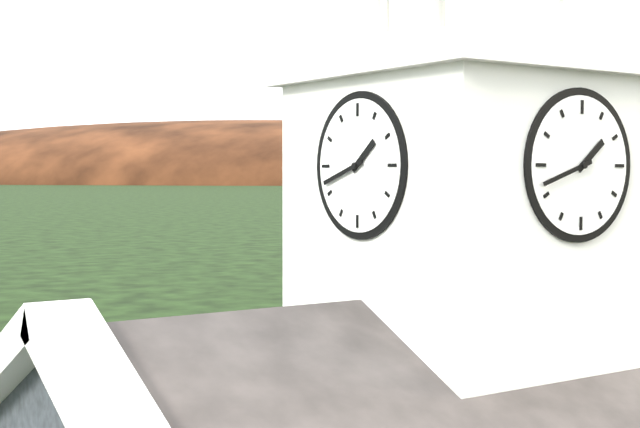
1,42
